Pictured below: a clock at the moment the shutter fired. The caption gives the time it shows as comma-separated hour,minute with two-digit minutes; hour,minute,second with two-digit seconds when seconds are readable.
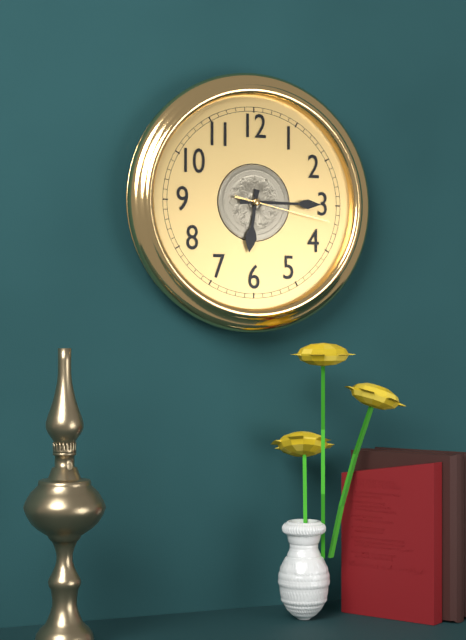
6,15,17
